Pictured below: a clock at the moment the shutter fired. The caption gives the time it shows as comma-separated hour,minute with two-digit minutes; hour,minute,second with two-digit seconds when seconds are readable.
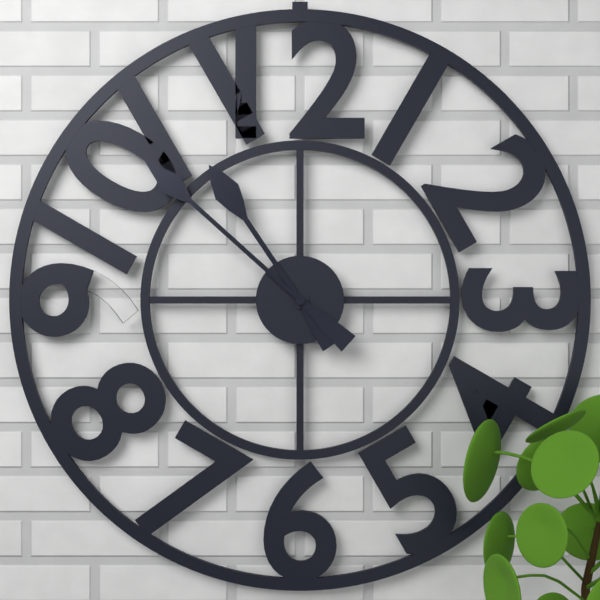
10,52
